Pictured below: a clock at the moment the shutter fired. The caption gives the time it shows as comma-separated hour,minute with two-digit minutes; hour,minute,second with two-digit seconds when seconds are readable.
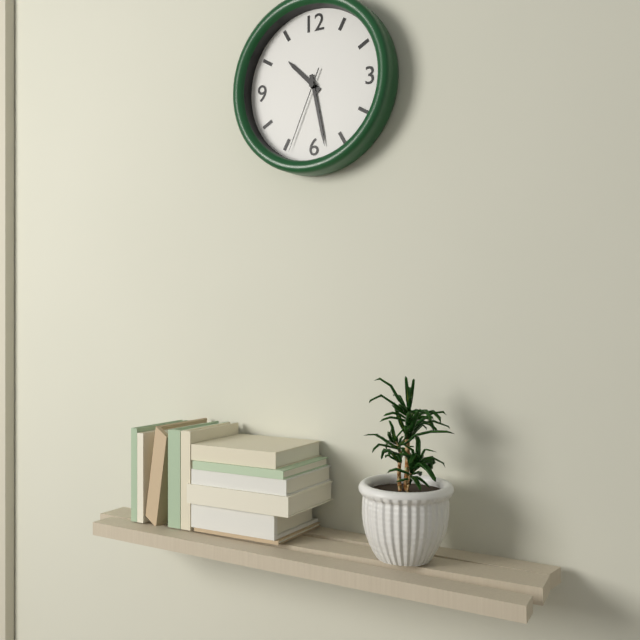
10,28,34
